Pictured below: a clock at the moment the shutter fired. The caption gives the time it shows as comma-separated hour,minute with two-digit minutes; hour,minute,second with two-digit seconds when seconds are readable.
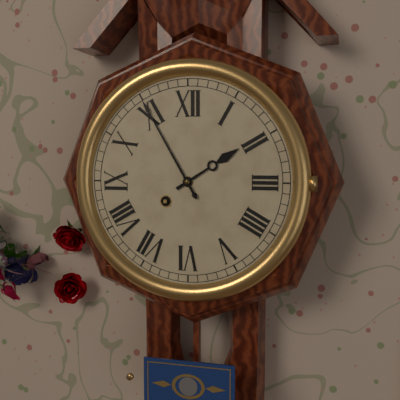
1,55
